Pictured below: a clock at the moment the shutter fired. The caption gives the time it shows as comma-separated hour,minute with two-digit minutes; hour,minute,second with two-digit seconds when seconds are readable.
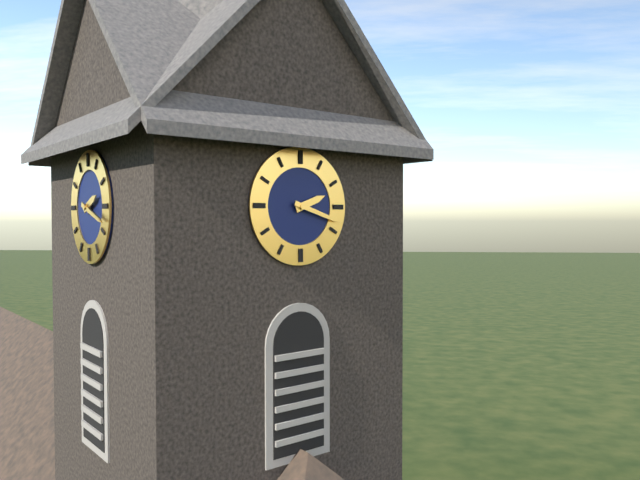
2,18
